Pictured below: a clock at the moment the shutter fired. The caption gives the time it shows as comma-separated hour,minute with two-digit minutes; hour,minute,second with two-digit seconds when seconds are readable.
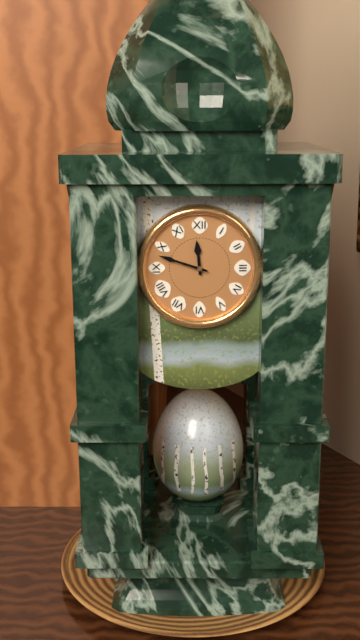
11,48
